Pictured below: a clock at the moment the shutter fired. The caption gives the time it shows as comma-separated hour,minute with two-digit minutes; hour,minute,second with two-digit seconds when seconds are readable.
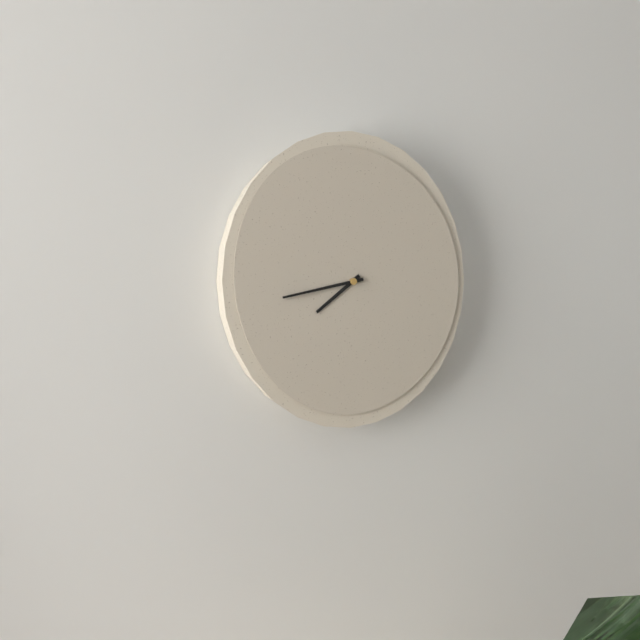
7,43
